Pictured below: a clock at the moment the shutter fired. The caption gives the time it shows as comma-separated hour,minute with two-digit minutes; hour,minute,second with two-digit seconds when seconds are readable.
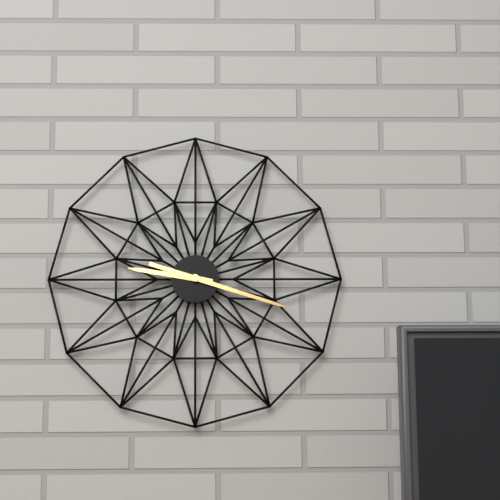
9,18
